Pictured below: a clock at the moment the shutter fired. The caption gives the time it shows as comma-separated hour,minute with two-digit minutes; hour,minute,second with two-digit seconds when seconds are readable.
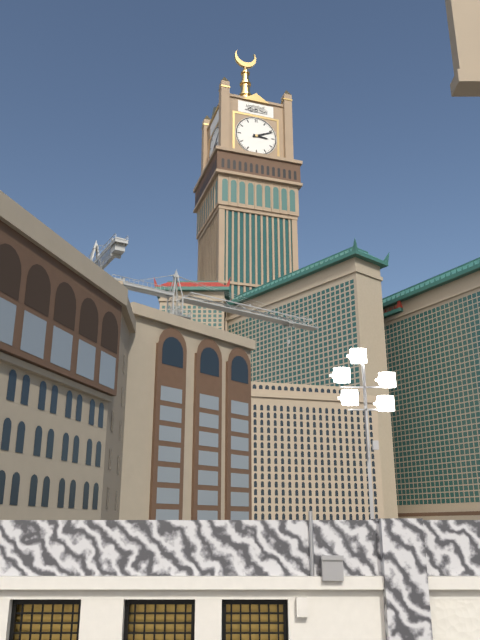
3,11
